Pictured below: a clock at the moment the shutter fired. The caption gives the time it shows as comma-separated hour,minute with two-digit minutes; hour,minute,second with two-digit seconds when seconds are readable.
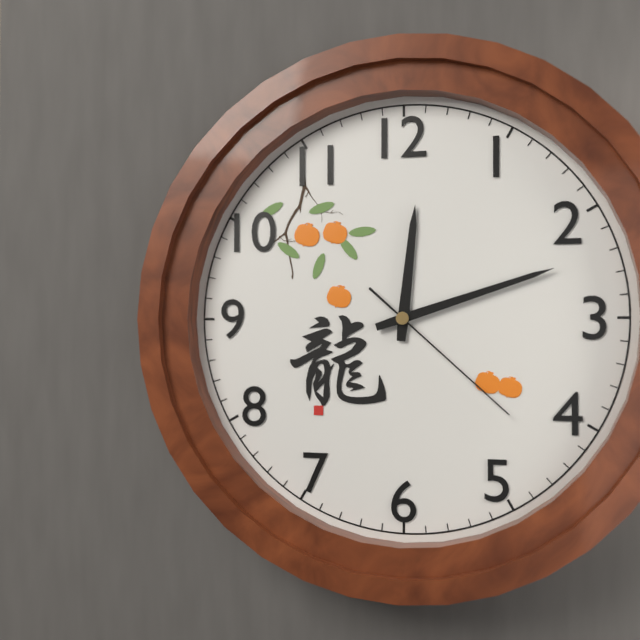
12,12,22
